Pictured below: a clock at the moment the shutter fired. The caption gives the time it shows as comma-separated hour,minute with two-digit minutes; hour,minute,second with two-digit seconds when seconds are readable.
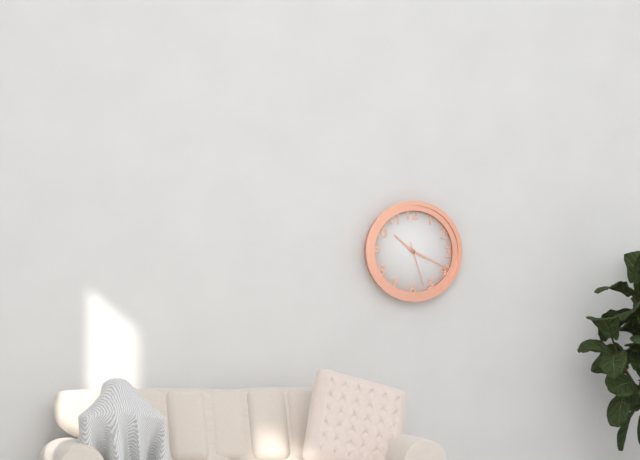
10,19
